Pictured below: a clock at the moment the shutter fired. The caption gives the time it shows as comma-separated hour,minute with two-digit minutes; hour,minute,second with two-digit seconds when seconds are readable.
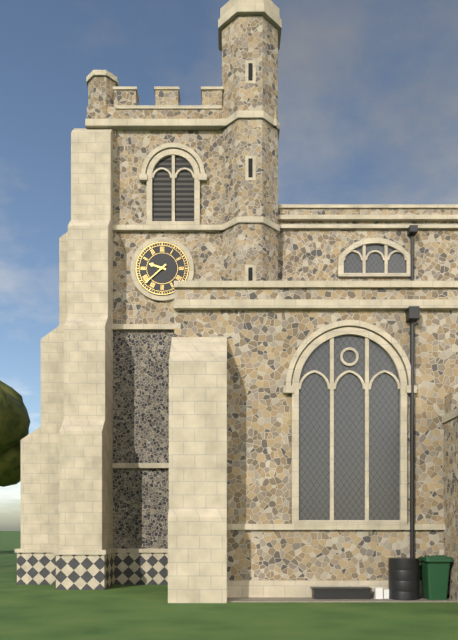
9,38
